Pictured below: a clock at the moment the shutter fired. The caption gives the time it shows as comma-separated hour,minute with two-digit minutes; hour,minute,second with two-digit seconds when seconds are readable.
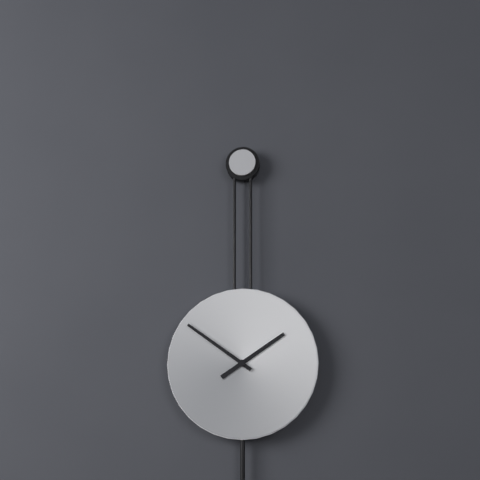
1,51
